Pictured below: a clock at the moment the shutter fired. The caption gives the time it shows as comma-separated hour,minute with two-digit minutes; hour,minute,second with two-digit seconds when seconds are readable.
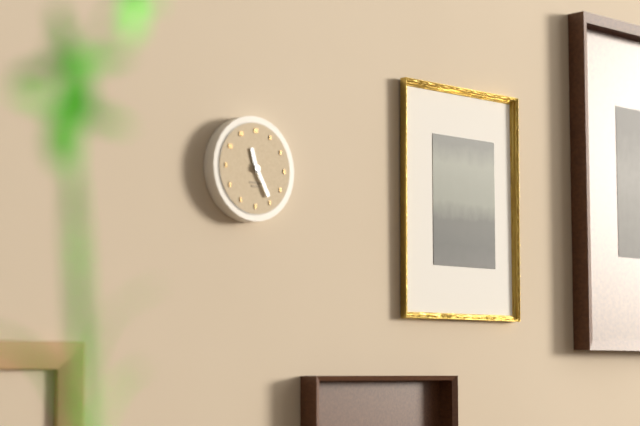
11,25
